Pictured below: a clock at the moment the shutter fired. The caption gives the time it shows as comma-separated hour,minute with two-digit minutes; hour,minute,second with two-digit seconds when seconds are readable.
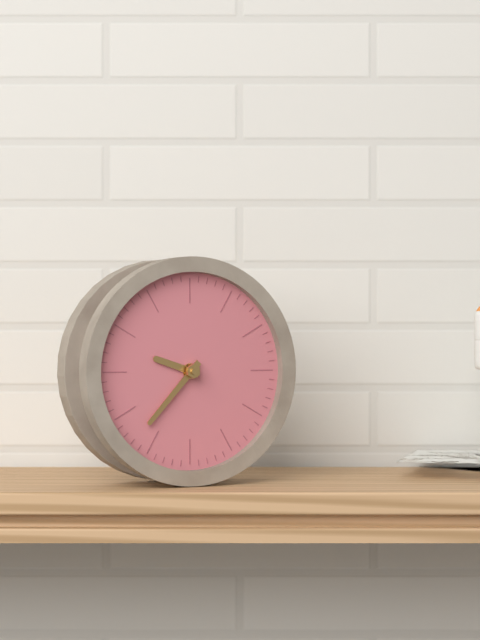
9,37
